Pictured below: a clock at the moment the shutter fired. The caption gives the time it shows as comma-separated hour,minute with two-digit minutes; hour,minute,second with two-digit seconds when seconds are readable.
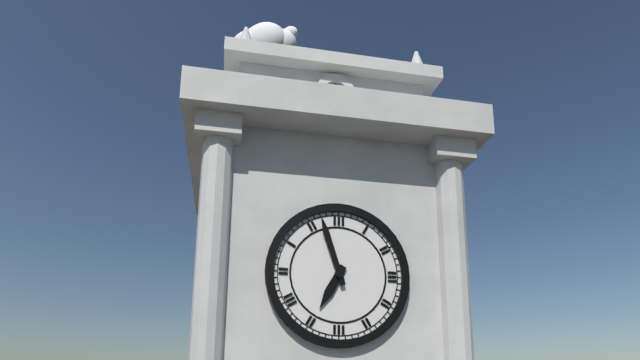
6,57
